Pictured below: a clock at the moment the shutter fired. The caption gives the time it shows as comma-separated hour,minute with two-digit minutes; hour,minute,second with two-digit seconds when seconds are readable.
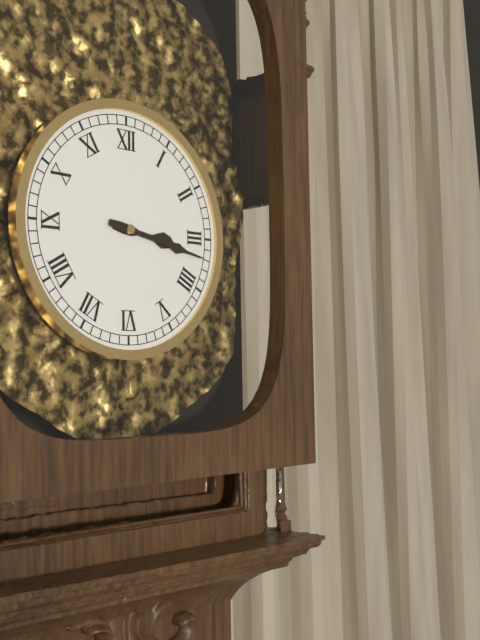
3,17
